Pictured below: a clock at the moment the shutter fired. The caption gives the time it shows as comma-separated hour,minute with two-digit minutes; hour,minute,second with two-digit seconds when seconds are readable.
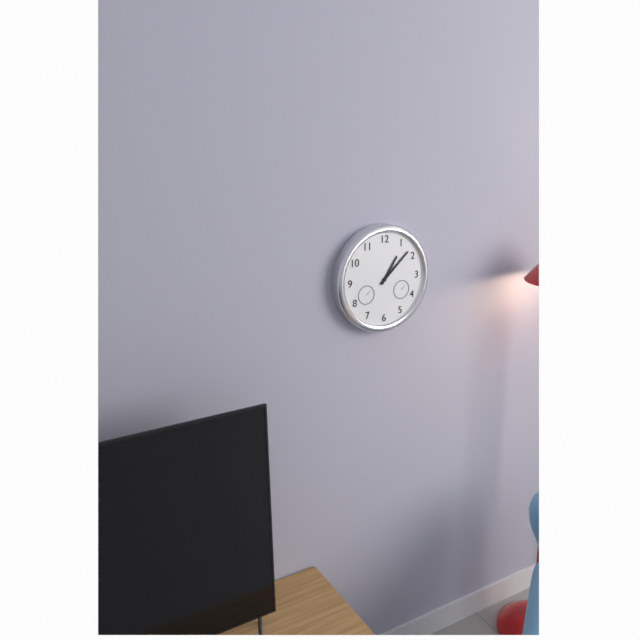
1,08
